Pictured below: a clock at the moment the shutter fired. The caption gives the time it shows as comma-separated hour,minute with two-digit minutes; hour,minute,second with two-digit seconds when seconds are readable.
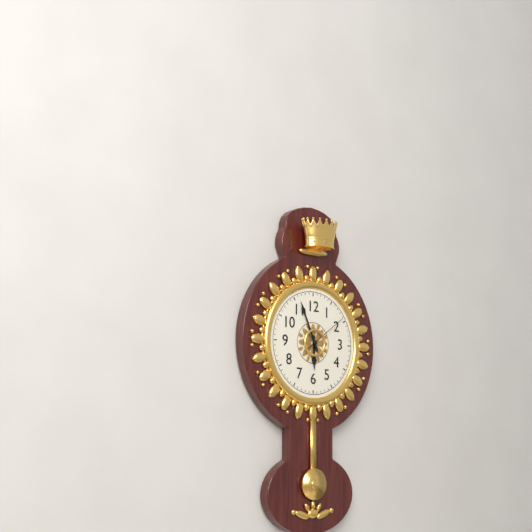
5,56
